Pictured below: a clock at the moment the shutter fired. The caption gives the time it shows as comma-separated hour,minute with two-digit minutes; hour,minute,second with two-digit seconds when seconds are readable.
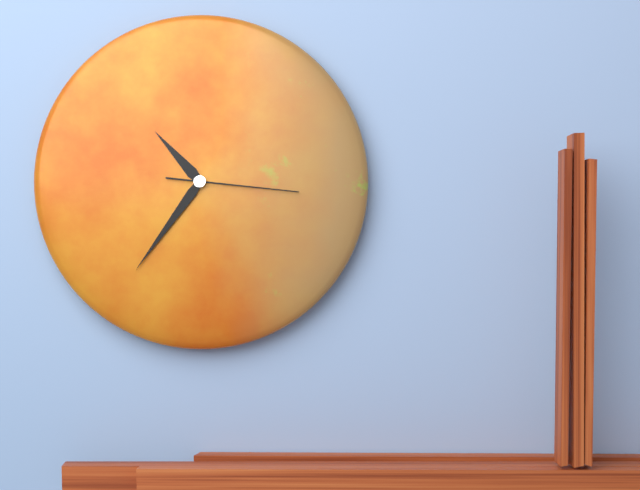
10,36,16
